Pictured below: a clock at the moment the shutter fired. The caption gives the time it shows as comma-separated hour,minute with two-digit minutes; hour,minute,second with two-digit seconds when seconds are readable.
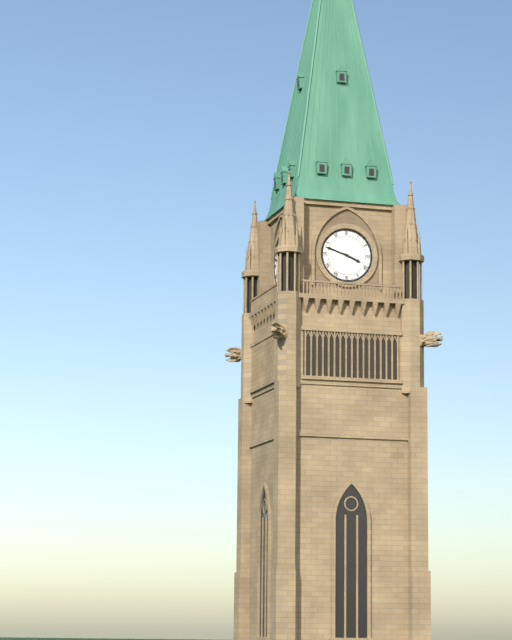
3,48
